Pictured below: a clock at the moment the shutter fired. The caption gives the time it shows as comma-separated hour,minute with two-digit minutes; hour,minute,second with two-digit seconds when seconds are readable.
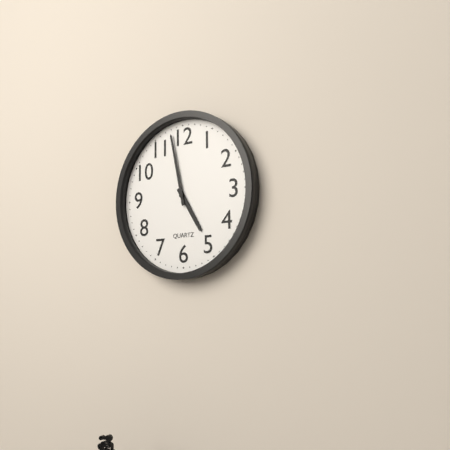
4,58
